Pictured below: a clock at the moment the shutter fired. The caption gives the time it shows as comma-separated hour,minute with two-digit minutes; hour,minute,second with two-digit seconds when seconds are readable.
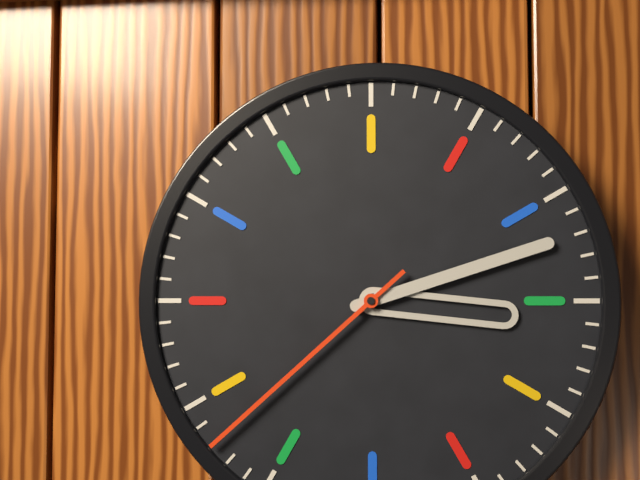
3,12,38
